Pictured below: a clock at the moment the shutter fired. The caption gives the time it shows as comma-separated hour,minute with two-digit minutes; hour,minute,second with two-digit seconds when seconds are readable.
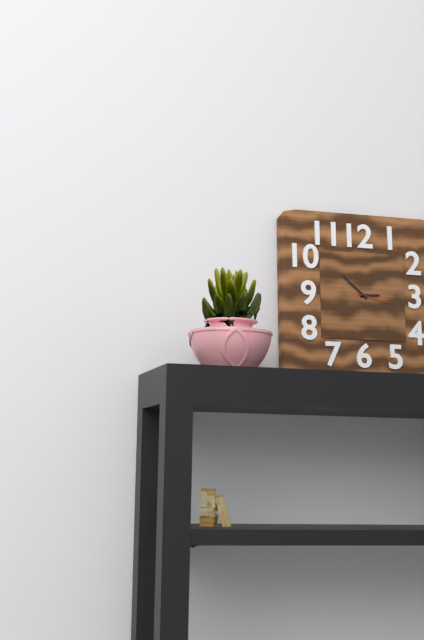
2,52
